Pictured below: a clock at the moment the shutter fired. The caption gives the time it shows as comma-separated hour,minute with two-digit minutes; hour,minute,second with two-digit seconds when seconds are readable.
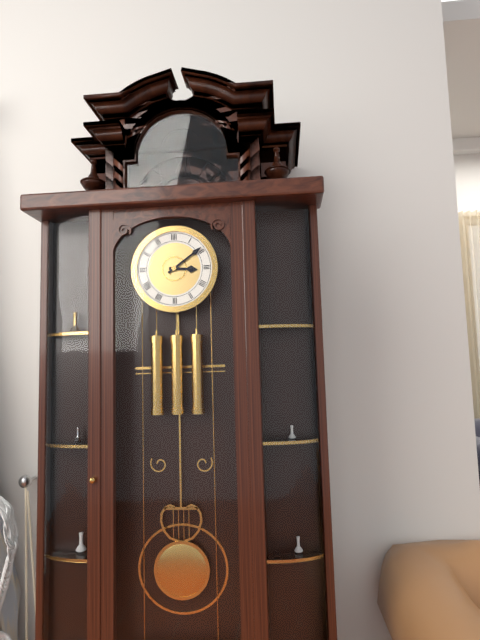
3,09
